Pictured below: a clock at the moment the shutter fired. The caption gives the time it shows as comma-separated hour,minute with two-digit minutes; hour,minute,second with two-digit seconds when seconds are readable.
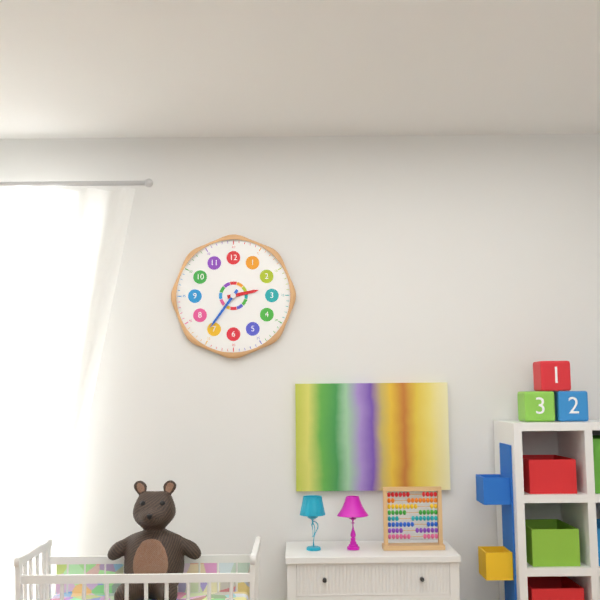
2,36
